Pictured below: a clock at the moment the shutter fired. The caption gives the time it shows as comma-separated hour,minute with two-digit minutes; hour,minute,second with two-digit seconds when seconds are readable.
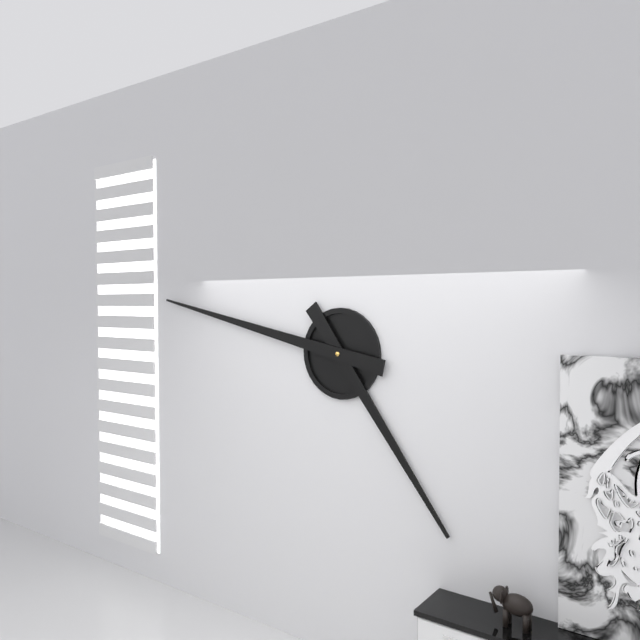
4,47
